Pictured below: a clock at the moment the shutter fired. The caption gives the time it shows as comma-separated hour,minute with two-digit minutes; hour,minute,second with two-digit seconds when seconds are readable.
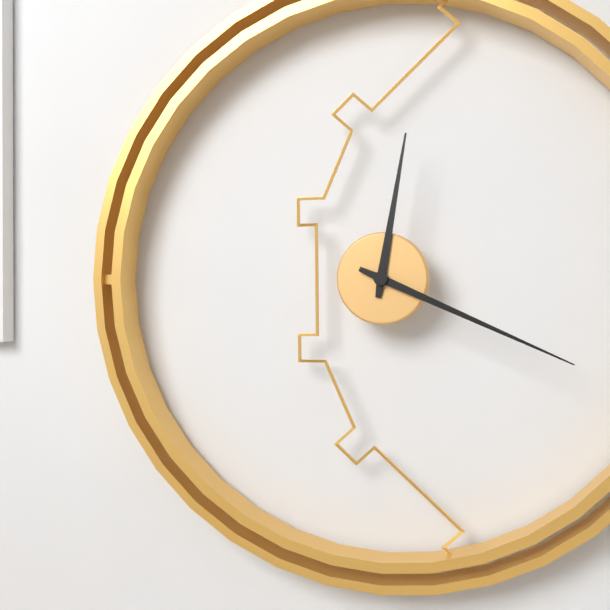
12,19
